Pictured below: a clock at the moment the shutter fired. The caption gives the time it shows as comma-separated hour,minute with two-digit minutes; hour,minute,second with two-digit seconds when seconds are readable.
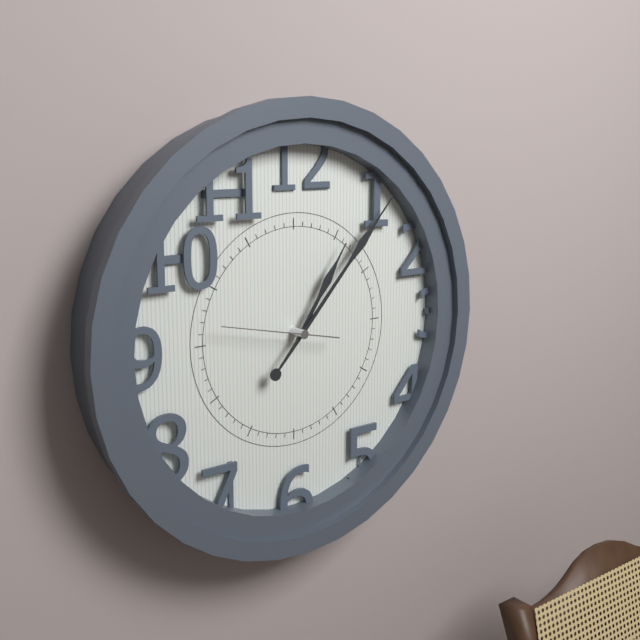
1,07,47
